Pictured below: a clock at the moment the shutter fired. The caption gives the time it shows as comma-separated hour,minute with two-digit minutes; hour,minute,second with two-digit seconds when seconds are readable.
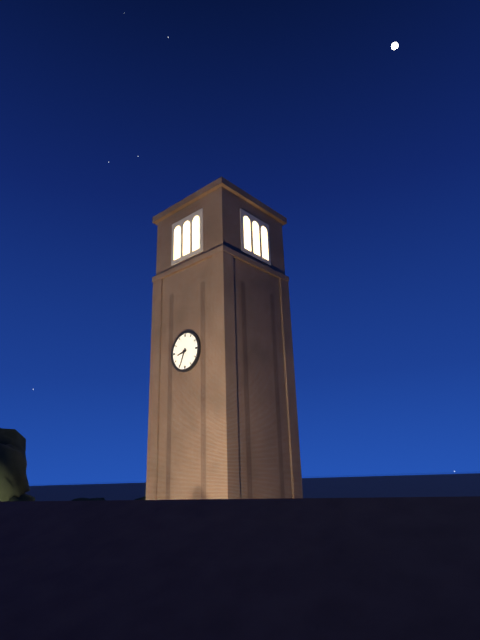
8,34
